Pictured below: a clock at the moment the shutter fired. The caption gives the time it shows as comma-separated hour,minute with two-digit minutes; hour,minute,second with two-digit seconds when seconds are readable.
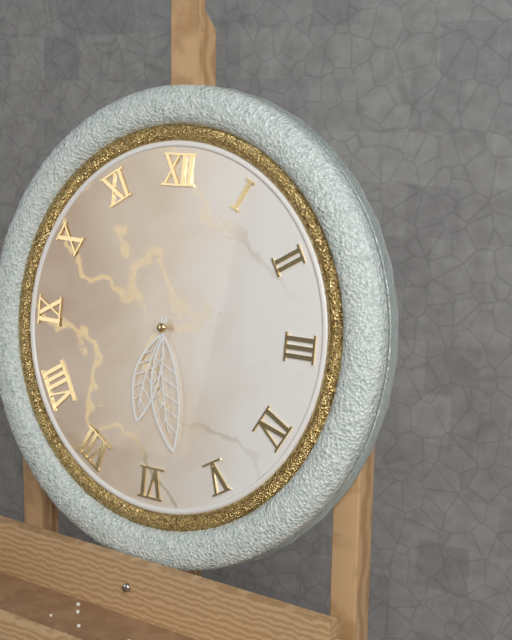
6,28
